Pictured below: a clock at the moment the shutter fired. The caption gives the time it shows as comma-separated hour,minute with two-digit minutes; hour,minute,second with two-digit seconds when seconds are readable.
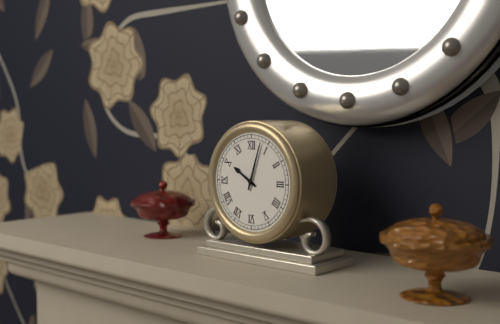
10,03
